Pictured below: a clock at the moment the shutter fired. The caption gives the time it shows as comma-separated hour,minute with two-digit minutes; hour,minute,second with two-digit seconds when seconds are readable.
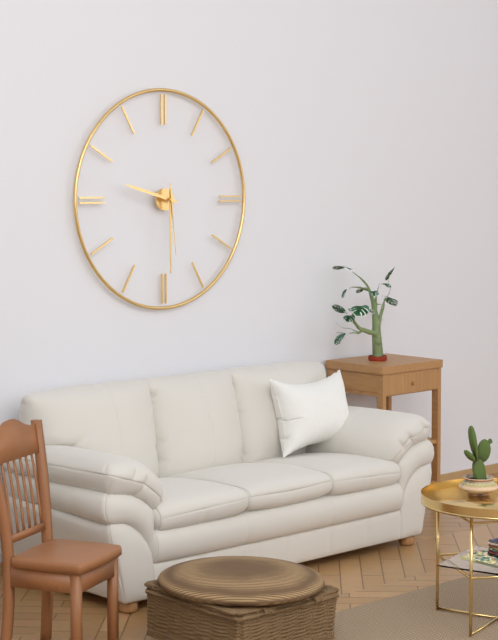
9,30,29
